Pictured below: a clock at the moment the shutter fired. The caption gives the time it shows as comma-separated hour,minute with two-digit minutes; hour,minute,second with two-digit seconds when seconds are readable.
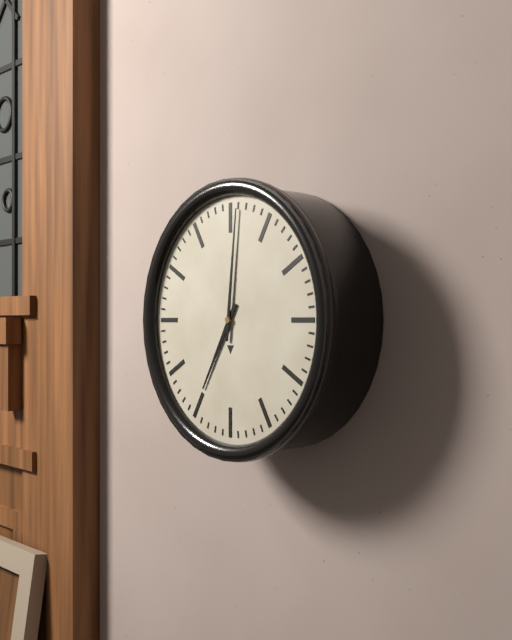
7,01
